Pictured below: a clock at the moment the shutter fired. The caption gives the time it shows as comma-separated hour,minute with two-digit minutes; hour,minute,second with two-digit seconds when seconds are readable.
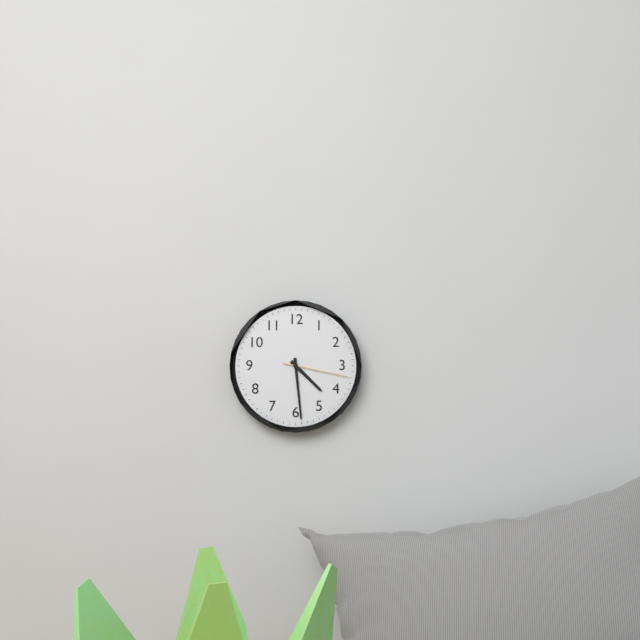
4,29,17
